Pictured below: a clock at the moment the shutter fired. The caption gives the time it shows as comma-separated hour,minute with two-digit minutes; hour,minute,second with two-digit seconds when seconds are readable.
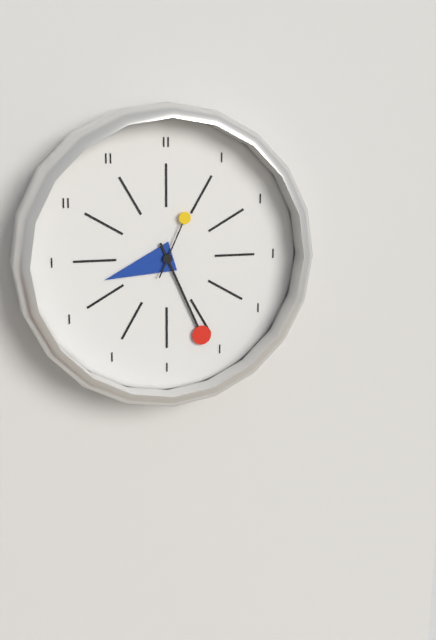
8,26,04
